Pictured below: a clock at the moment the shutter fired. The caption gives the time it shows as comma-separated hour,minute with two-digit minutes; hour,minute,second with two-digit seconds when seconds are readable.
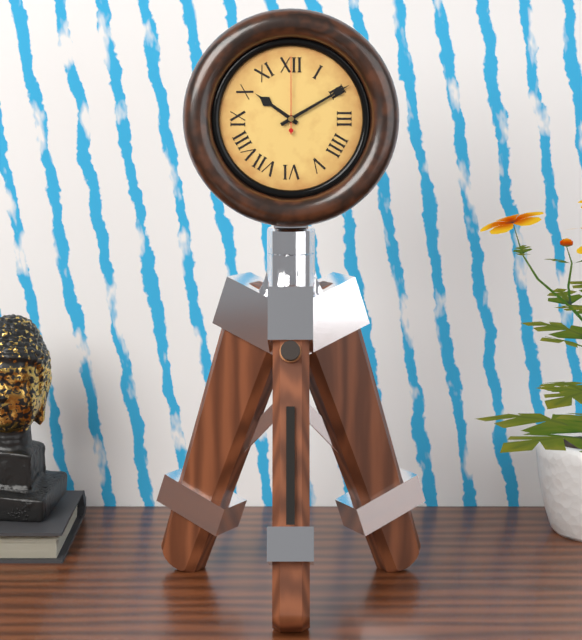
10,10,00
